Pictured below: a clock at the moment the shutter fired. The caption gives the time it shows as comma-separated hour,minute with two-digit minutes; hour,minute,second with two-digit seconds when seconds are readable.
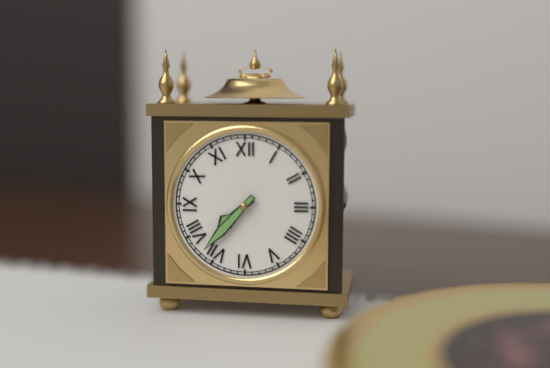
7,37
